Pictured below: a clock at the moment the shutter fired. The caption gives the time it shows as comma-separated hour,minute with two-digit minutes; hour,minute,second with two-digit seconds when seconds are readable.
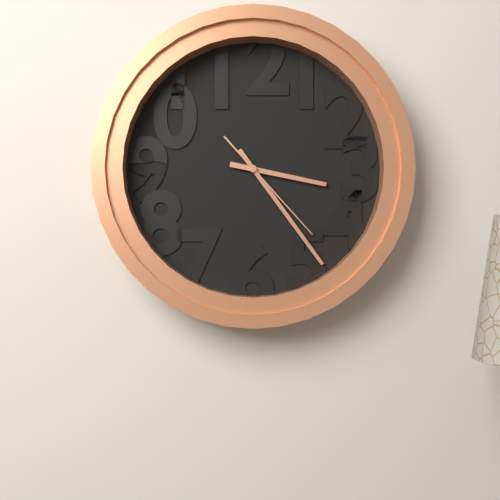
3,24,23
